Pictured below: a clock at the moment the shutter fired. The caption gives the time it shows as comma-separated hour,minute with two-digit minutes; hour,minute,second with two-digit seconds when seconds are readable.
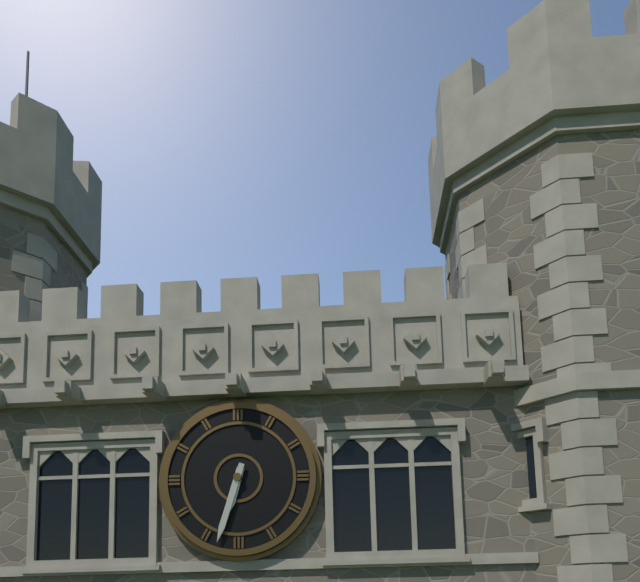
6,33
